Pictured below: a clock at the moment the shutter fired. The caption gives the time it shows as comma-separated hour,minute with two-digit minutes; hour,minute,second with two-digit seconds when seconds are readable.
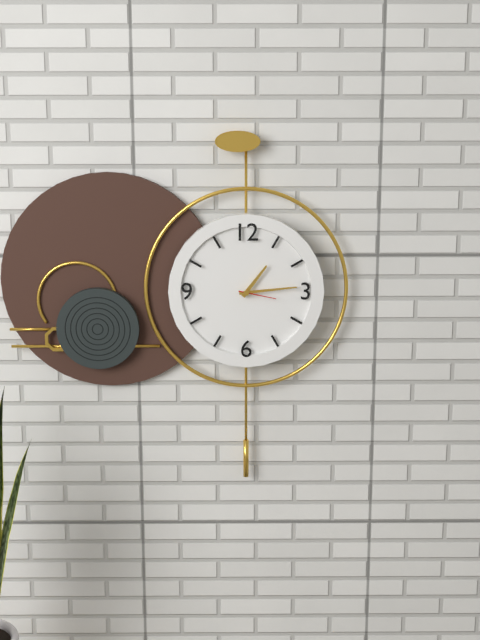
1,14
